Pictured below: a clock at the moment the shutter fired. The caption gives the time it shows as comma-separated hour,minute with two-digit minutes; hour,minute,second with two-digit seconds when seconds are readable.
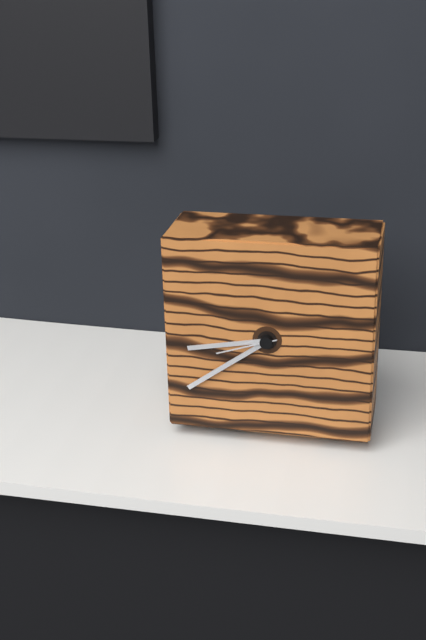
8,39,42
